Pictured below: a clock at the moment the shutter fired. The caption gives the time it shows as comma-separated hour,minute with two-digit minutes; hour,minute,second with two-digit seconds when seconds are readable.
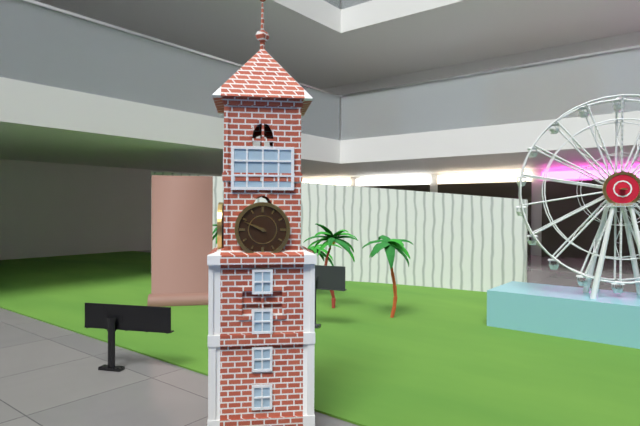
9,49
